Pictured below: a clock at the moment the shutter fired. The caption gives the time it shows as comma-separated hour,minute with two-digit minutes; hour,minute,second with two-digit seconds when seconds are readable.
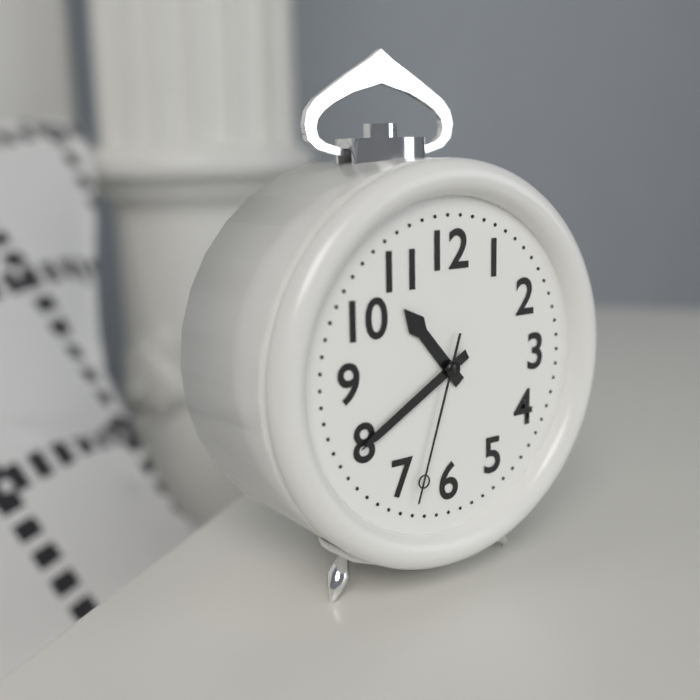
10,40,33
